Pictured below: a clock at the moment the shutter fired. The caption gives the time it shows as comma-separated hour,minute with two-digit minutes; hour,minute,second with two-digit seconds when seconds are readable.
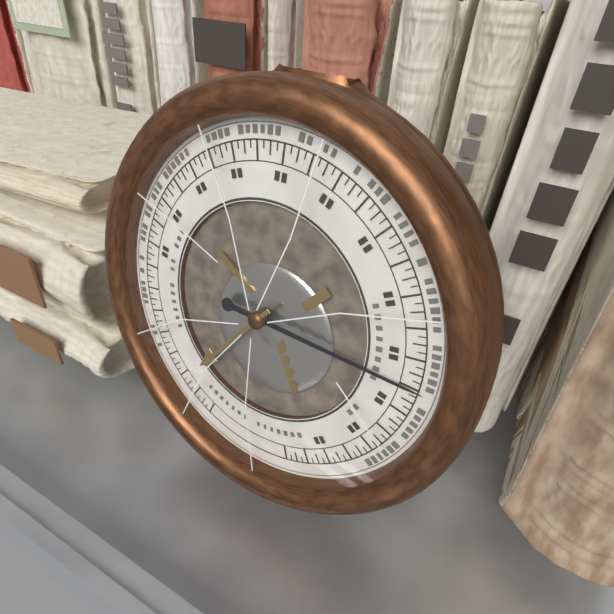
7,15
